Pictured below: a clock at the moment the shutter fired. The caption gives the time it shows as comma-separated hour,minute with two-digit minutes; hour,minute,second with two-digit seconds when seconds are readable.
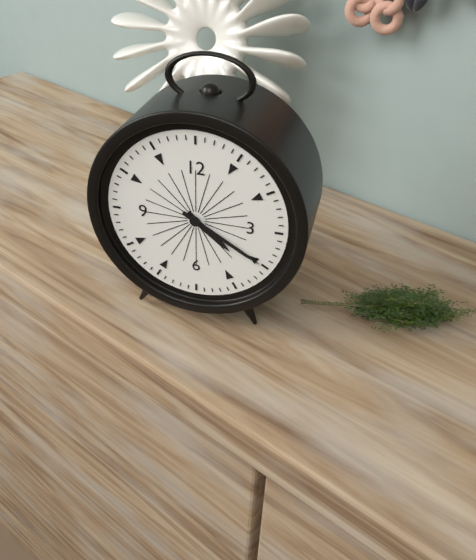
4,20
